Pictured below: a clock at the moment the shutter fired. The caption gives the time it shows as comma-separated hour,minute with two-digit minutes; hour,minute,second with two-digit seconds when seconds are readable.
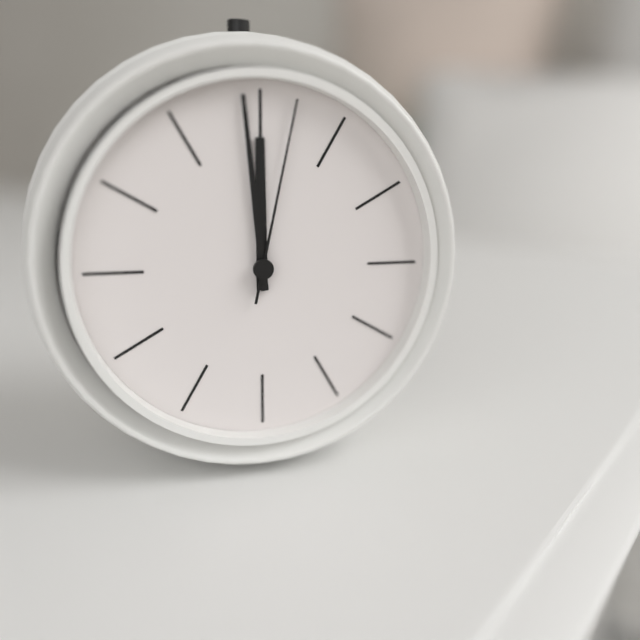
11,59,02
